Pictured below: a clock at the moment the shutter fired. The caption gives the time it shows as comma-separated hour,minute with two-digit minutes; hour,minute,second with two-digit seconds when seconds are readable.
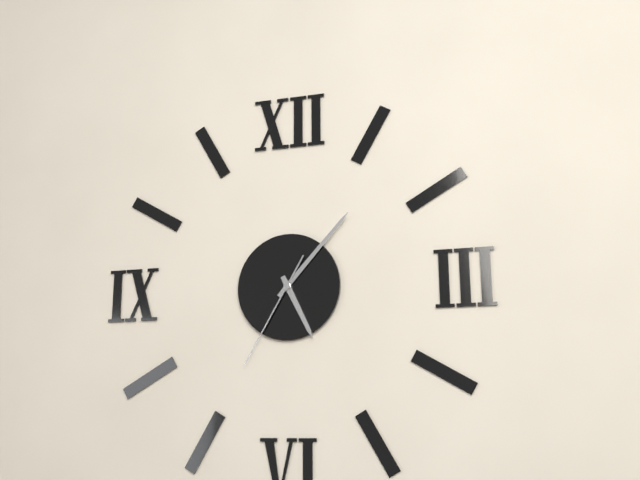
5,07,35
